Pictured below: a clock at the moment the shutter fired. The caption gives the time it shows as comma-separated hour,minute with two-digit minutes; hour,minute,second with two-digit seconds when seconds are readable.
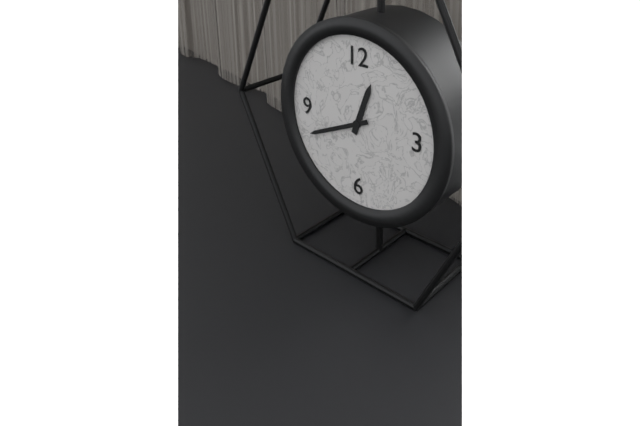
12,41
